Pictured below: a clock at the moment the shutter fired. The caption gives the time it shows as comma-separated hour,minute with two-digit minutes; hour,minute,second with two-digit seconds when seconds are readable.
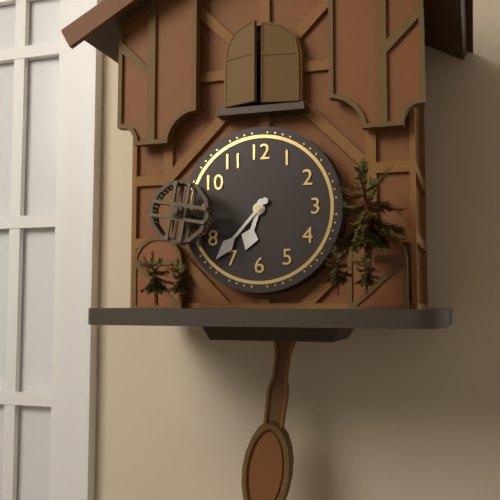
6,37
